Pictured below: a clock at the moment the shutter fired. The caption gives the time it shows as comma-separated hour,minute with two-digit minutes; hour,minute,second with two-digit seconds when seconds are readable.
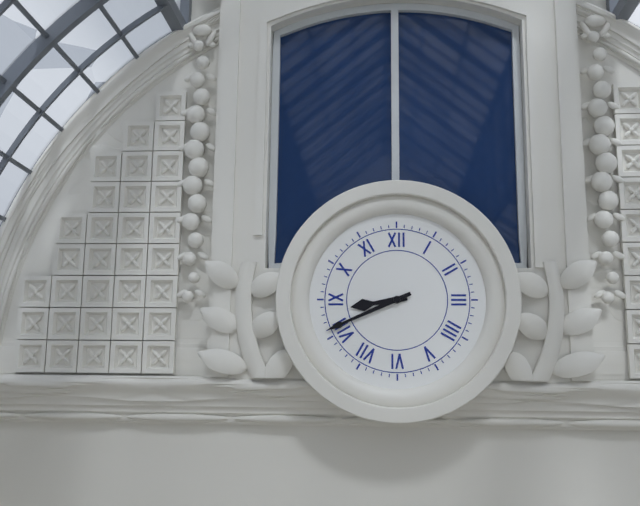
8,41
